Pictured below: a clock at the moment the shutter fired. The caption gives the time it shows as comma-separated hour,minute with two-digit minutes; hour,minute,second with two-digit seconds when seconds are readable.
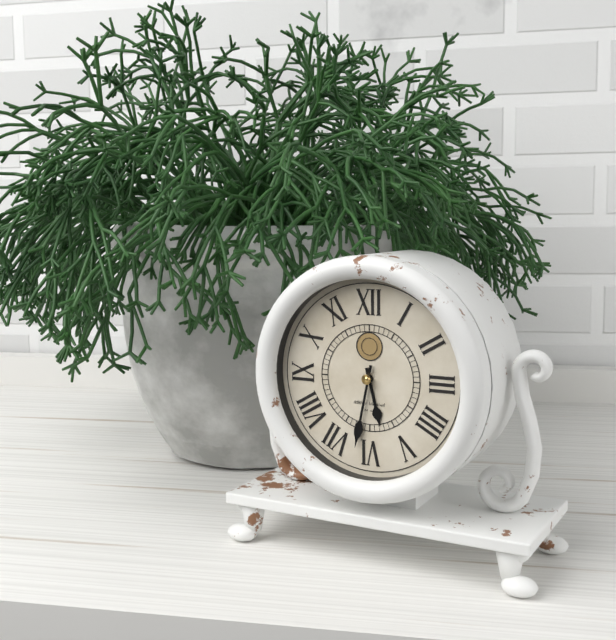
5,32
